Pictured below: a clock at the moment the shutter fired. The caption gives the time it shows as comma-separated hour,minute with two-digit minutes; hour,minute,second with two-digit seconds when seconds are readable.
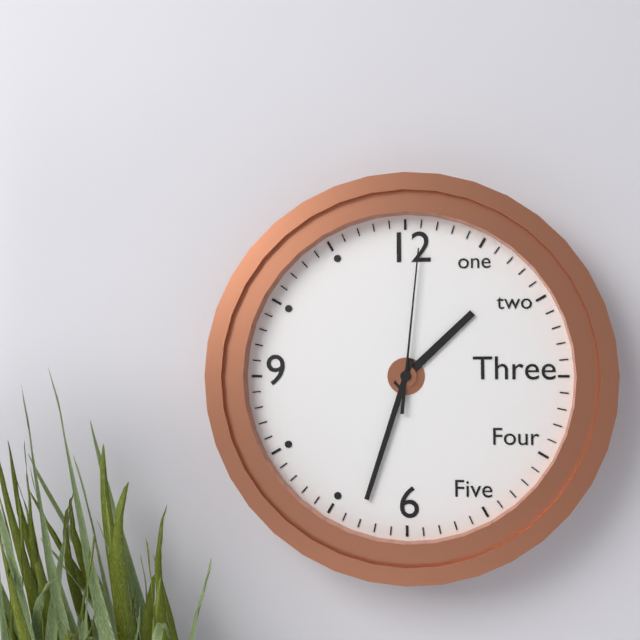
1,33,01
